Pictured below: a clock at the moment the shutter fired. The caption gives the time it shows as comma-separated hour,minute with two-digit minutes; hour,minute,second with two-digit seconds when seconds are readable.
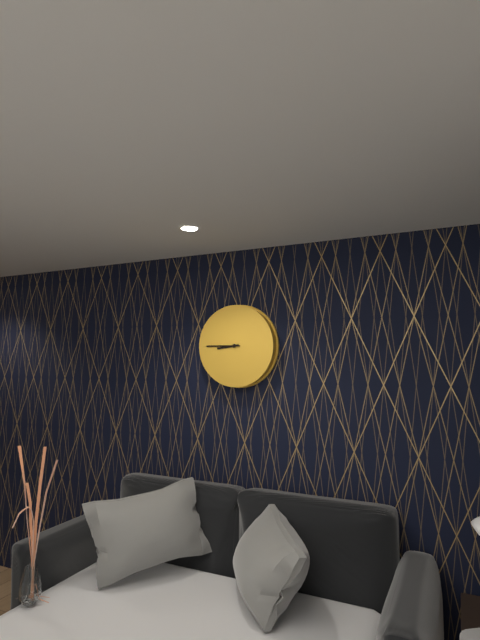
8,45
